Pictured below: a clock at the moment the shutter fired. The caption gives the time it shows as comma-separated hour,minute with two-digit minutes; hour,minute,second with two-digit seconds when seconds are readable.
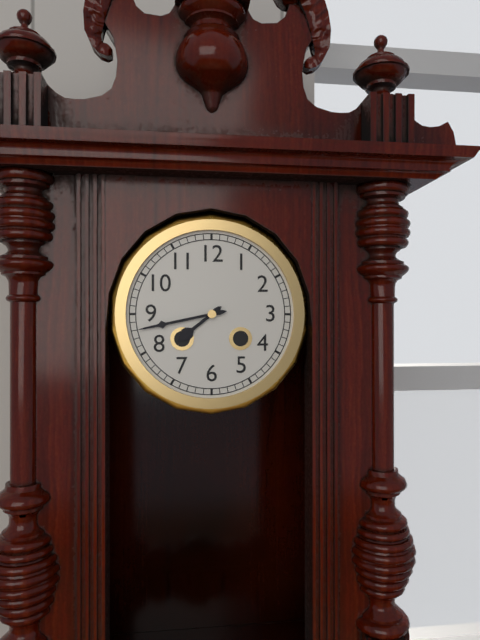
7,43
